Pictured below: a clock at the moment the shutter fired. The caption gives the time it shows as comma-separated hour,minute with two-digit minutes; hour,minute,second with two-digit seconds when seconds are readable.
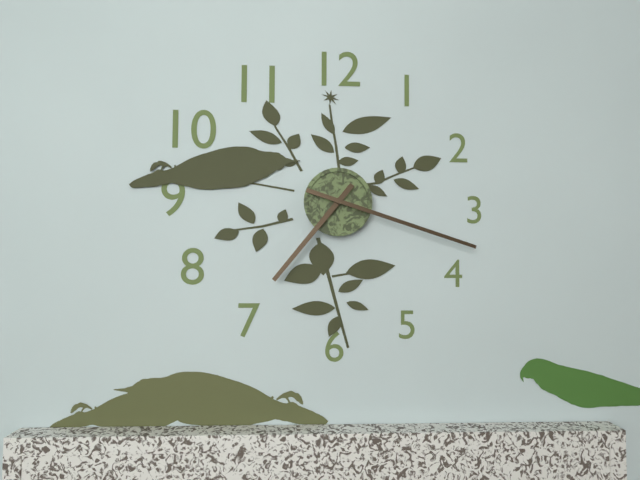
7,18
